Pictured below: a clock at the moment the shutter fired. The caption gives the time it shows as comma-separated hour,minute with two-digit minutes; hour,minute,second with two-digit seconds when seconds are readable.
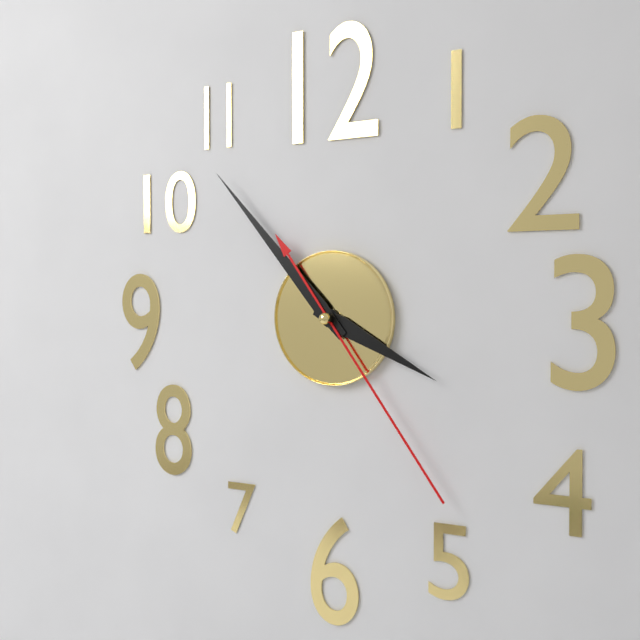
3,53,24
